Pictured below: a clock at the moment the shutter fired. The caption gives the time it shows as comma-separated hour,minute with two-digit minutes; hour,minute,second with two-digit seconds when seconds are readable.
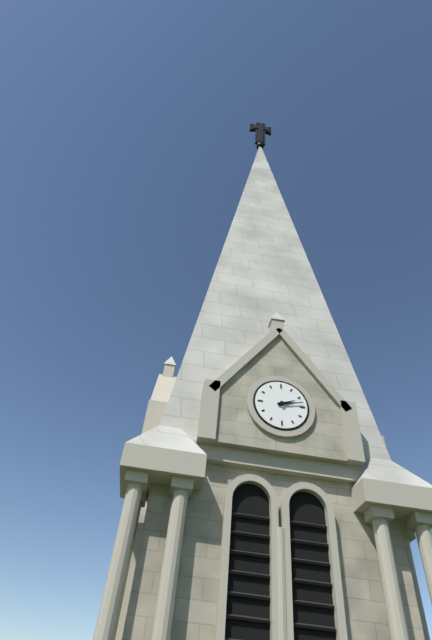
2,13
